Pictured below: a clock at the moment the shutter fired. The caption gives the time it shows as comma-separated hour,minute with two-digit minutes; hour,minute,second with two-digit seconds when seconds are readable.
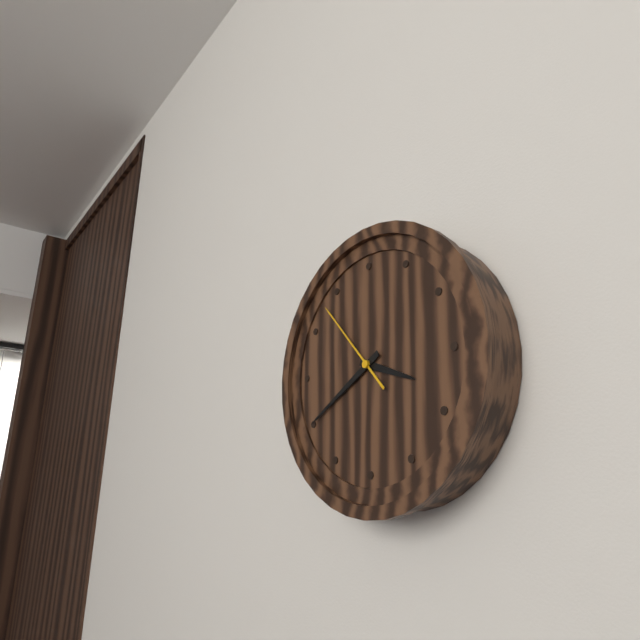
3,40,53
